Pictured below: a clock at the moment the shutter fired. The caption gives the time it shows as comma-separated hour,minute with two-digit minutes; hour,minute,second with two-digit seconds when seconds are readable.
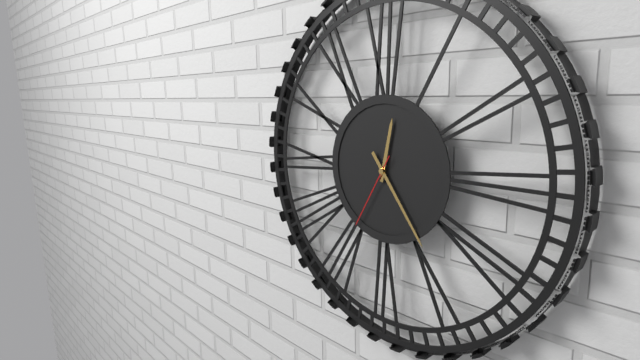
12,24,35
